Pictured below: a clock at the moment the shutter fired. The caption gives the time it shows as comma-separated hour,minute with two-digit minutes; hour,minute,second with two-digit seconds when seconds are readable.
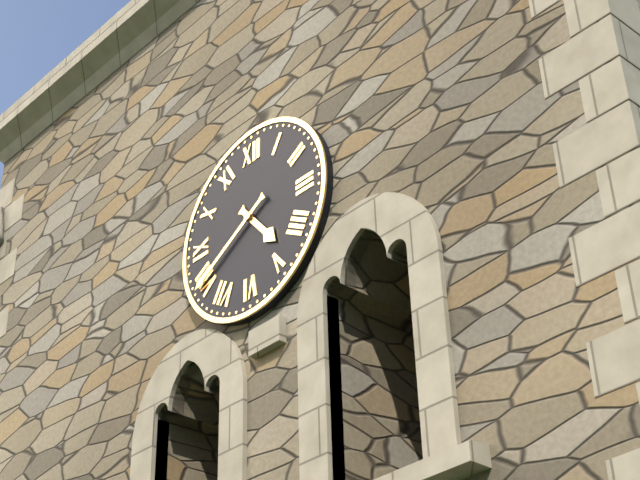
4,40
